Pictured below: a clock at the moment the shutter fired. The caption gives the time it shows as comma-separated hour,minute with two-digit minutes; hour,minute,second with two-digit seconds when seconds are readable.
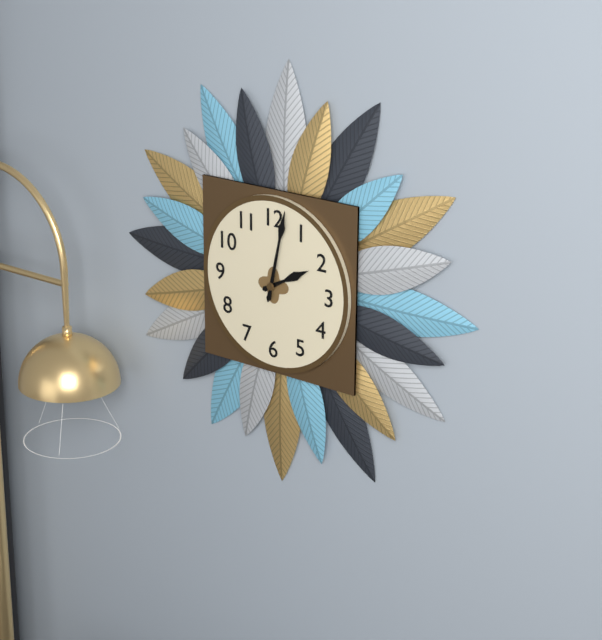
2,02
